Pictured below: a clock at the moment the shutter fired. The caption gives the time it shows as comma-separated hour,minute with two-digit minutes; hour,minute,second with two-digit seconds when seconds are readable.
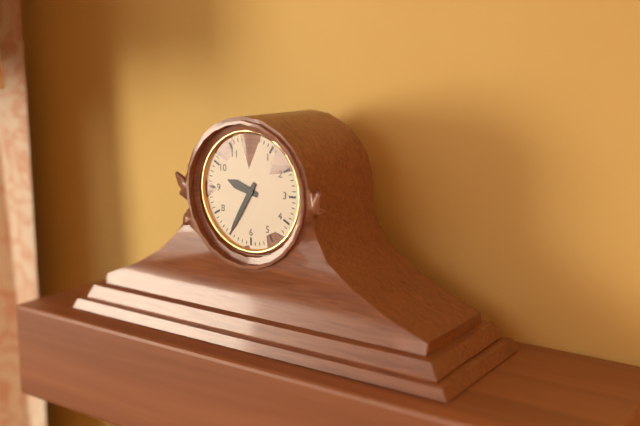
9,35
